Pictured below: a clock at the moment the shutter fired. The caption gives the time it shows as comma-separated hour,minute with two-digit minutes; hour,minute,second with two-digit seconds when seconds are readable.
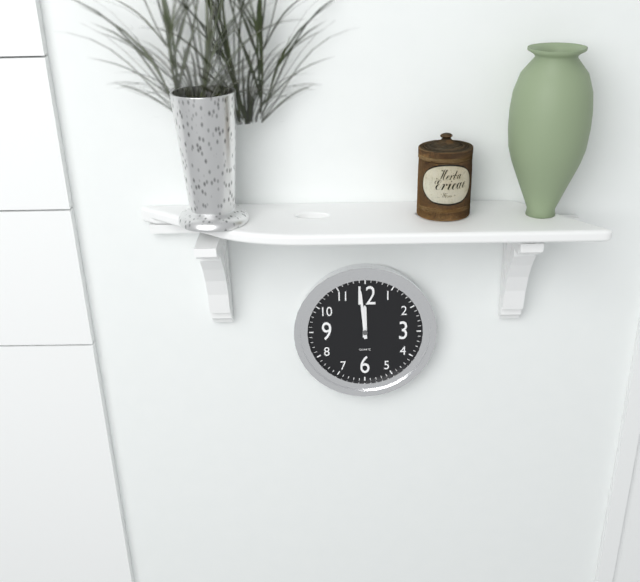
11,59
